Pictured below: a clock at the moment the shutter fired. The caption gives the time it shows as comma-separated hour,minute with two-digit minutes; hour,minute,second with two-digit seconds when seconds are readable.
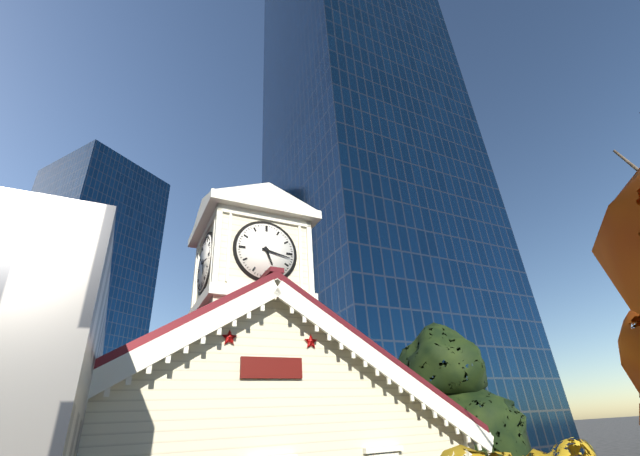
5,17
